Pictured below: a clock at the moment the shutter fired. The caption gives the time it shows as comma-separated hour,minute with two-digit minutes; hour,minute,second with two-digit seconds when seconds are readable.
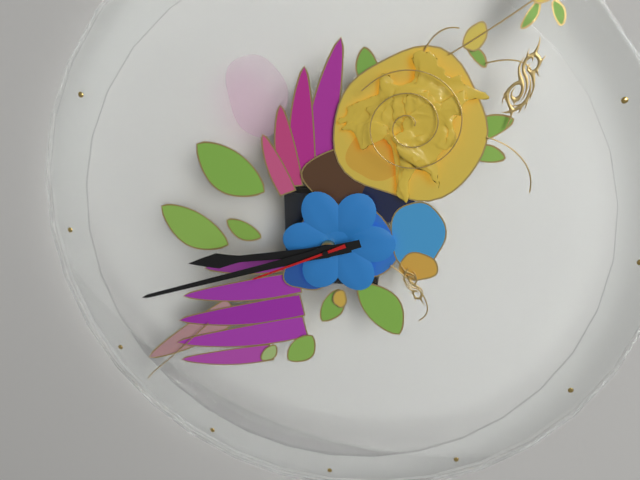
8,42,41
